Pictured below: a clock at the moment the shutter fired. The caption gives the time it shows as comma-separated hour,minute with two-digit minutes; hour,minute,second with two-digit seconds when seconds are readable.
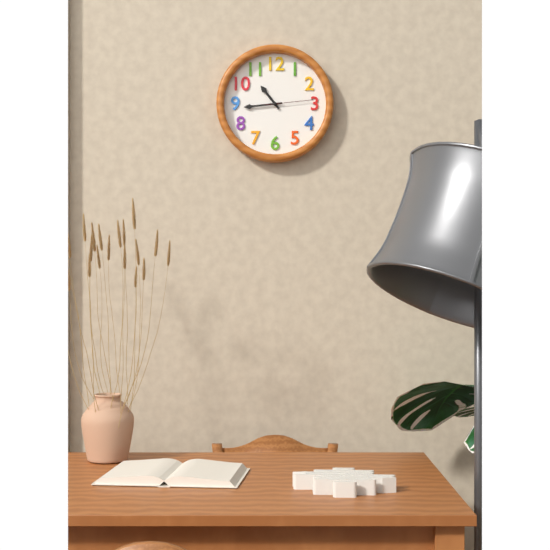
10,44
